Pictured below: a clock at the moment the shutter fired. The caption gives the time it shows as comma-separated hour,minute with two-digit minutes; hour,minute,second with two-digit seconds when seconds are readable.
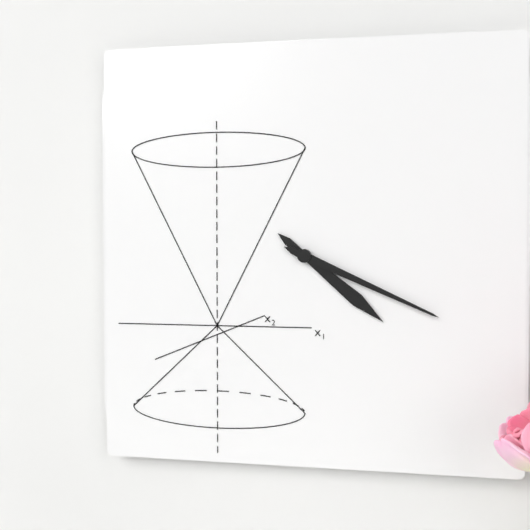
4,19
